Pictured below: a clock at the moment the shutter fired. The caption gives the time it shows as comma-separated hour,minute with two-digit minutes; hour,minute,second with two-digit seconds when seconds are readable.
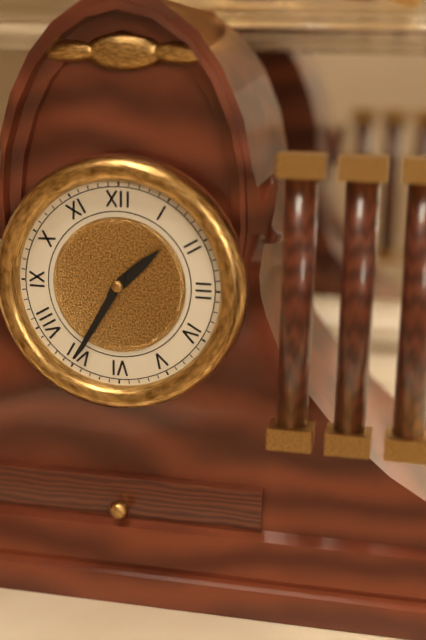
1,35
